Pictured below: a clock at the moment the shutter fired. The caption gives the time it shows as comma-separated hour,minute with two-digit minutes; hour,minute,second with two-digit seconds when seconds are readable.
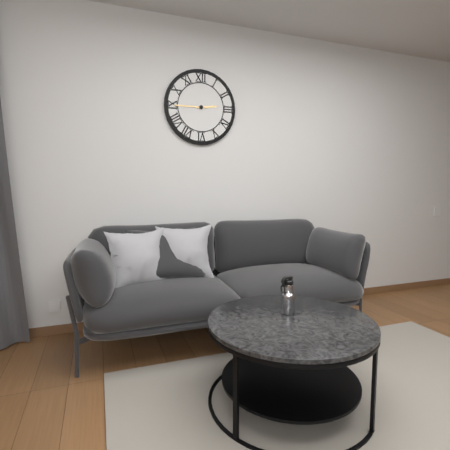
2,45
